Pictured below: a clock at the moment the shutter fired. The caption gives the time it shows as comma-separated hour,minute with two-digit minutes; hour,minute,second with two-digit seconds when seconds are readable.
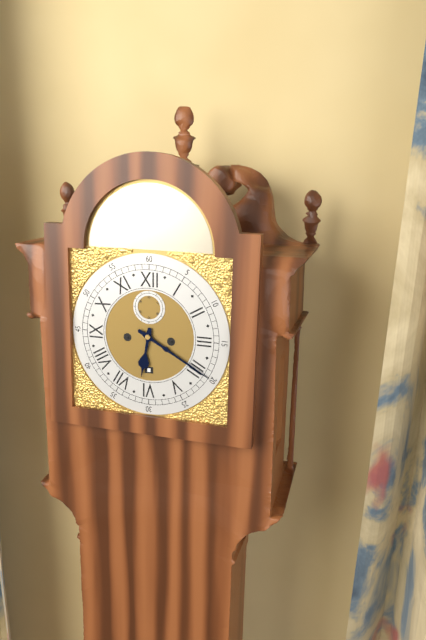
6,20
